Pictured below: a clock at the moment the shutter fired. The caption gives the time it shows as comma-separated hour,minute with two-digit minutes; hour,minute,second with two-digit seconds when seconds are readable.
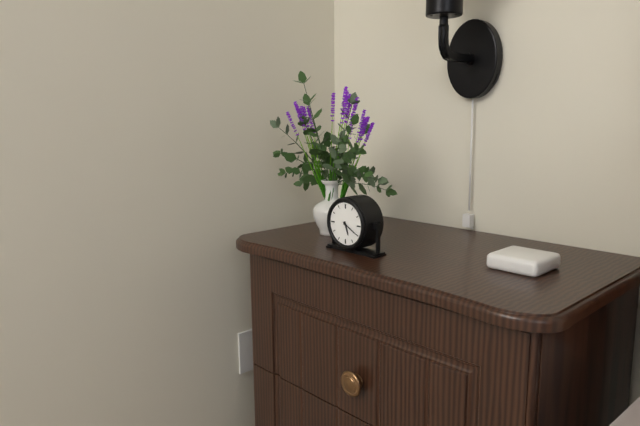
5,20
